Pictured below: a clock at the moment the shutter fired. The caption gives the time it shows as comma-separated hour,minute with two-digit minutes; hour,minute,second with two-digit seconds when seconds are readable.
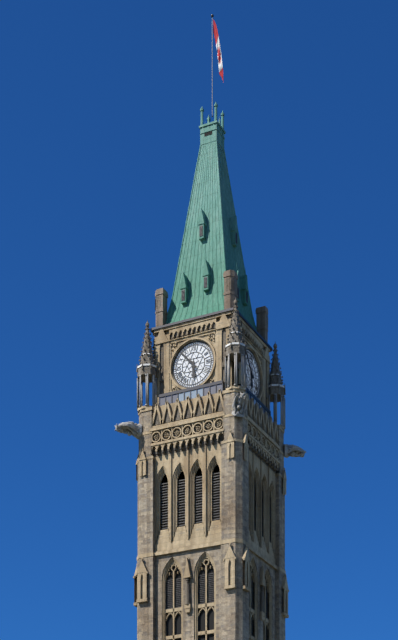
5,53
